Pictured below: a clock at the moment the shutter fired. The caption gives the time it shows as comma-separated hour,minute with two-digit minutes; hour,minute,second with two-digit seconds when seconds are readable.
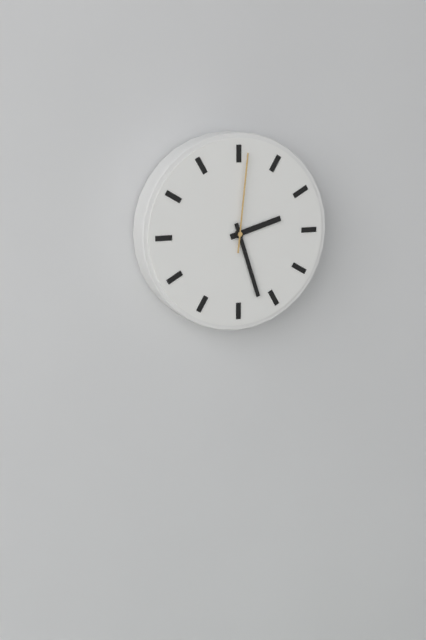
2,27,01
